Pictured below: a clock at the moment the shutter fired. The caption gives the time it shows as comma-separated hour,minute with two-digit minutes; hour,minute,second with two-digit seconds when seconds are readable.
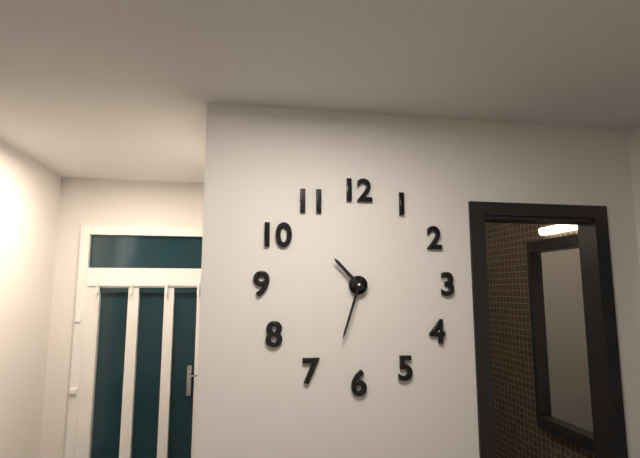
10,33
